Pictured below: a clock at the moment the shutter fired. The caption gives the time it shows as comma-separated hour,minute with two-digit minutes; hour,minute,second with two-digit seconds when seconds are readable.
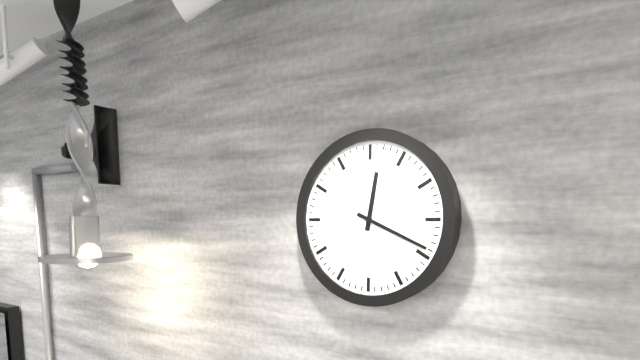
12,19
